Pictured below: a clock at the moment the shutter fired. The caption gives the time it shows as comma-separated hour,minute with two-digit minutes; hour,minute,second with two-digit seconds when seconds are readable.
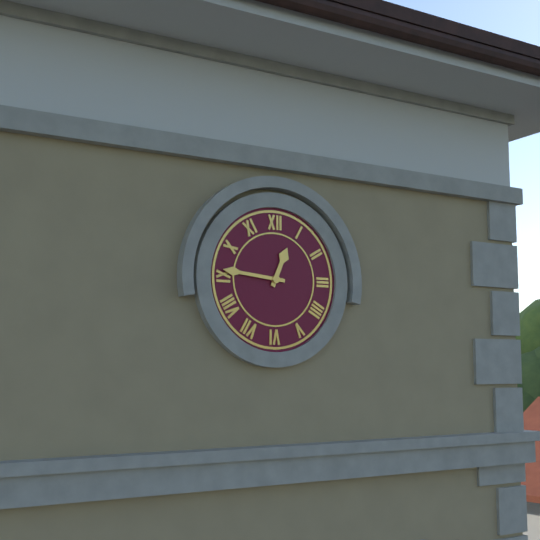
12,46
